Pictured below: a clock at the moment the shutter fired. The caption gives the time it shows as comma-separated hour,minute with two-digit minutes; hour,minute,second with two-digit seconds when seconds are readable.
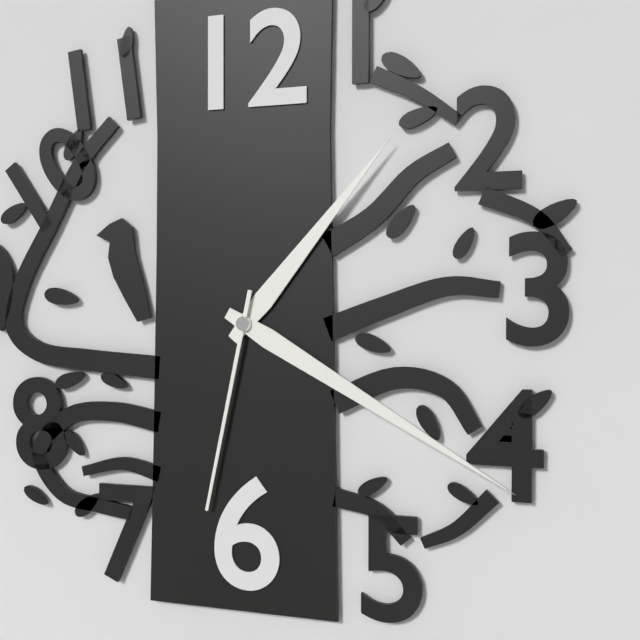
1,20,32
